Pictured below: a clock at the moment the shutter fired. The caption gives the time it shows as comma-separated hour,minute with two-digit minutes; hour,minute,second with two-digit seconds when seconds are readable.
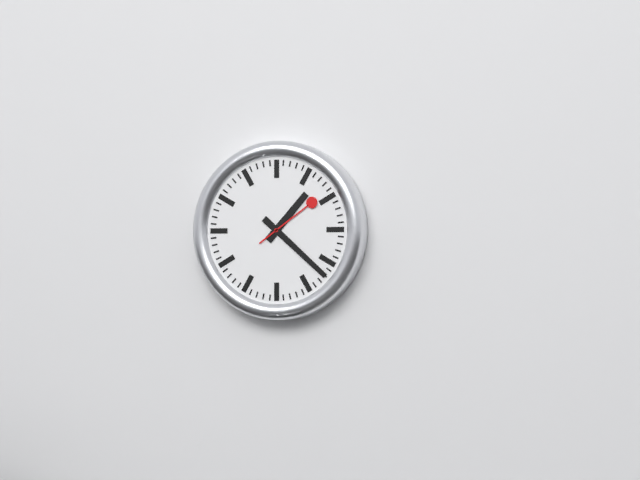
1,22,09
